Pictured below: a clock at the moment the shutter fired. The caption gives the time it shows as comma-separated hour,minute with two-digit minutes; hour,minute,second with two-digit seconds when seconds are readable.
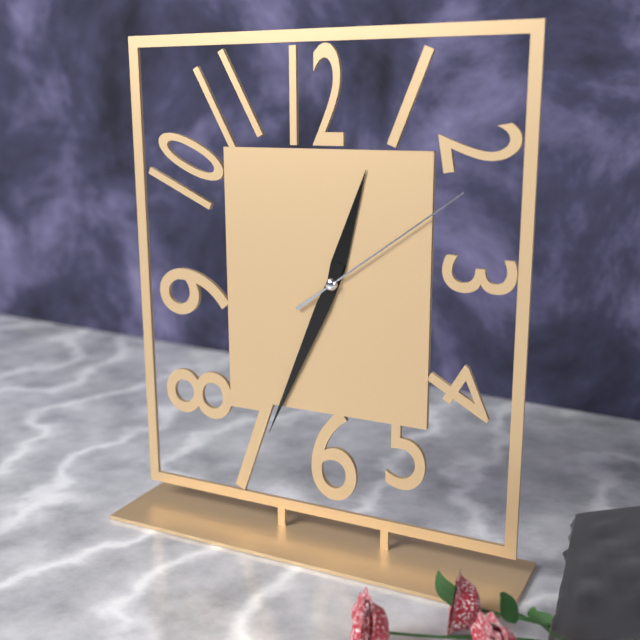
12,34,09
